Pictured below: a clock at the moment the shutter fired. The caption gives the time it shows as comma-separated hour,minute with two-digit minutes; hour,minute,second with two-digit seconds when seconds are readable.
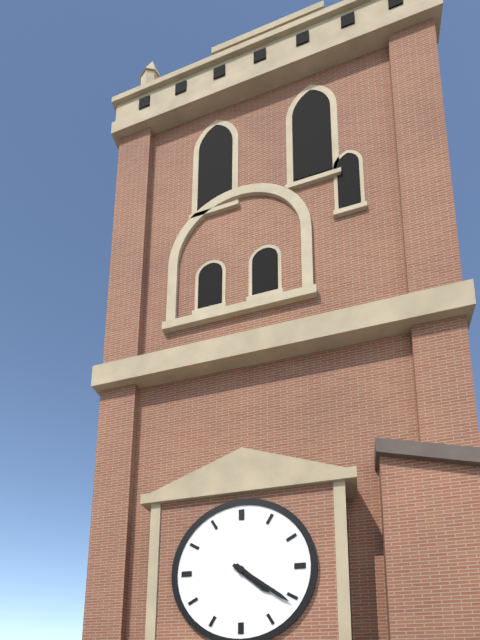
4,21
